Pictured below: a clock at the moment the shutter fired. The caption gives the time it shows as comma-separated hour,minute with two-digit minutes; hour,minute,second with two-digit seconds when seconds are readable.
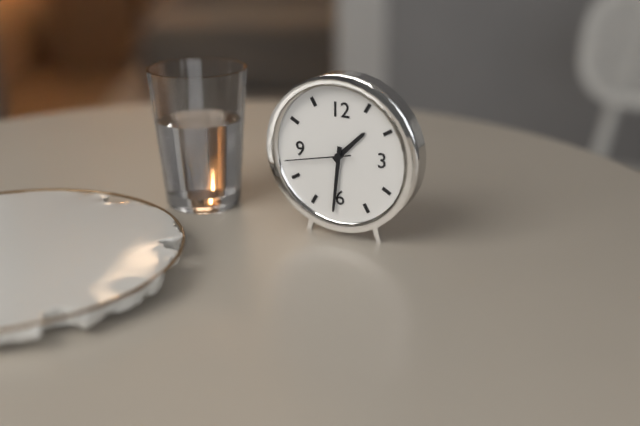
1,31,43
